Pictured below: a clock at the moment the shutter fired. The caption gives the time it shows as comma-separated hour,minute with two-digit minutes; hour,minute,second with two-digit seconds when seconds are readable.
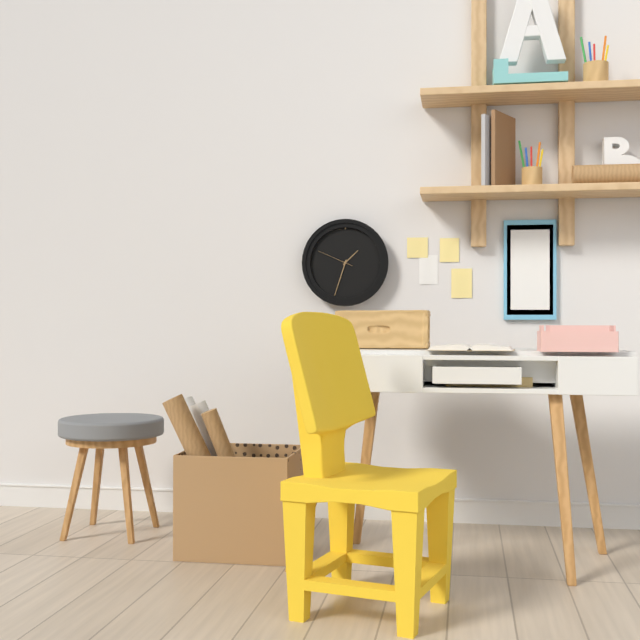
1,33
